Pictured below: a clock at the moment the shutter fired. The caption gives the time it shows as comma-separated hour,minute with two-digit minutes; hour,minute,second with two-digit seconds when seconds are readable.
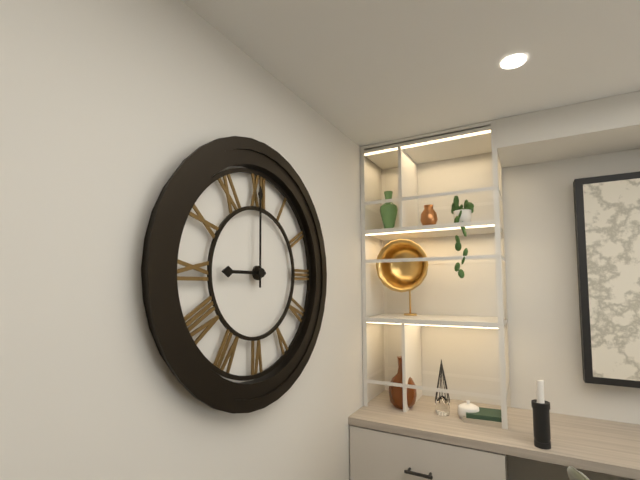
9,00
